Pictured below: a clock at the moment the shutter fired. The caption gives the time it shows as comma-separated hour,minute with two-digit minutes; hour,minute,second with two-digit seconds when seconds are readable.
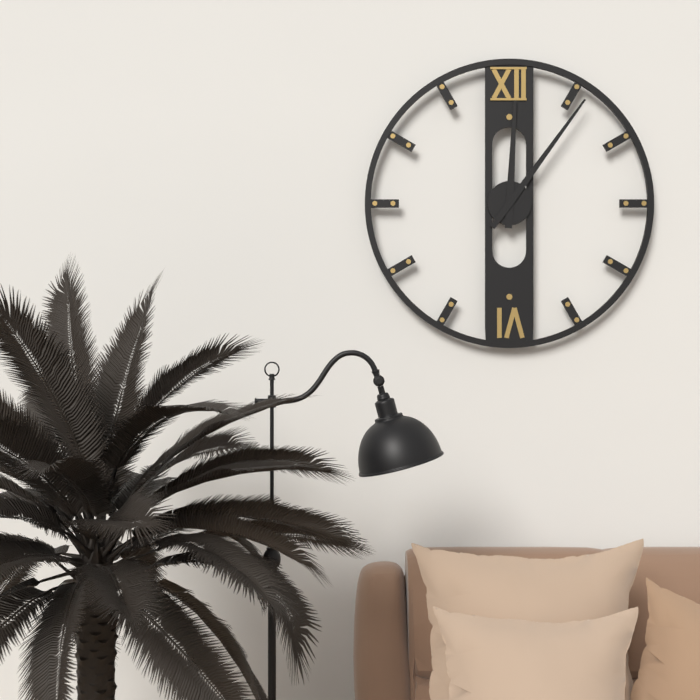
12,06
